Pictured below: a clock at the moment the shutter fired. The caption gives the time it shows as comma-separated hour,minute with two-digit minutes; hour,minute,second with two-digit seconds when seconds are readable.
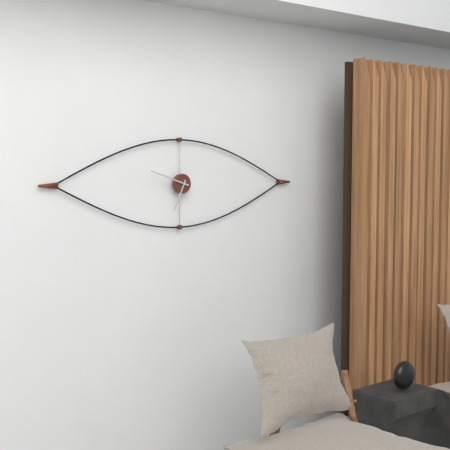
6,48
